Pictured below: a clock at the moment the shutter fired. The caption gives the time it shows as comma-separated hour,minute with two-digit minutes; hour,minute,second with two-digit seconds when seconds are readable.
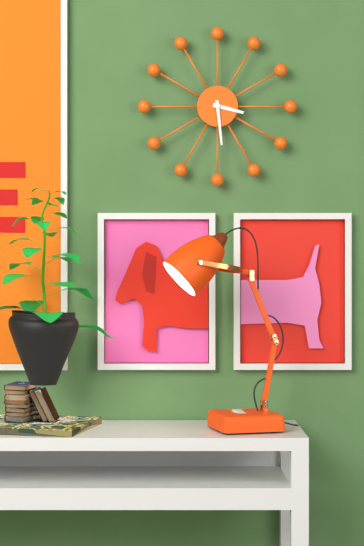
3,29
